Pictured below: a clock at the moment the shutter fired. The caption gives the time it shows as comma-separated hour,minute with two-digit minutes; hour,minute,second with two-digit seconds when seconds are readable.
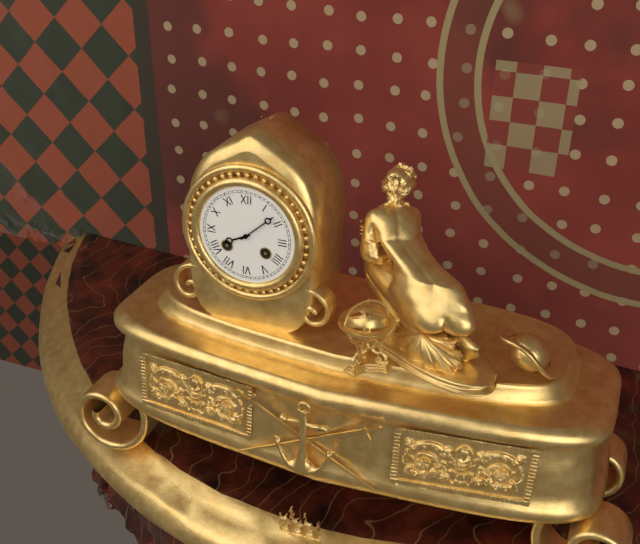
8,08
